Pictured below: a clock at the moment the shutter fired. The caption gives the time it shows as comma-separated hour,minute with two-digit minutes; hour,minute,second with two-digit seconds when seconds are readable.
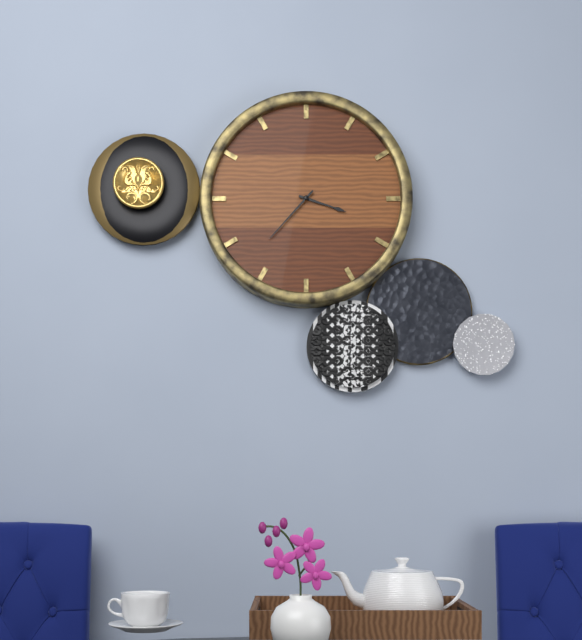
3,37
